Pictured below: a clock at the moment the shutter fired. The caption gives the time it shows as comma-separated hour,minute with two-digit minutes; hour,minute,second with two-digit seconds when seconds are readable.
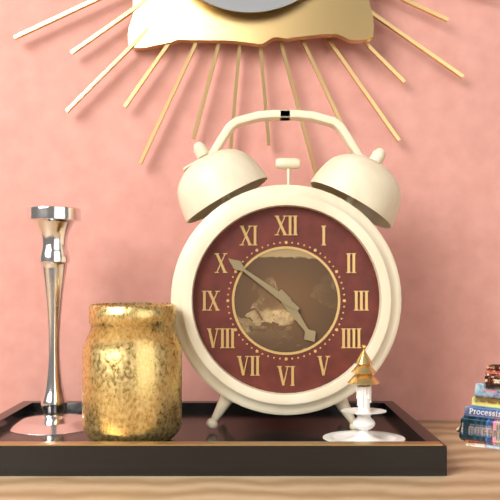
4,51
